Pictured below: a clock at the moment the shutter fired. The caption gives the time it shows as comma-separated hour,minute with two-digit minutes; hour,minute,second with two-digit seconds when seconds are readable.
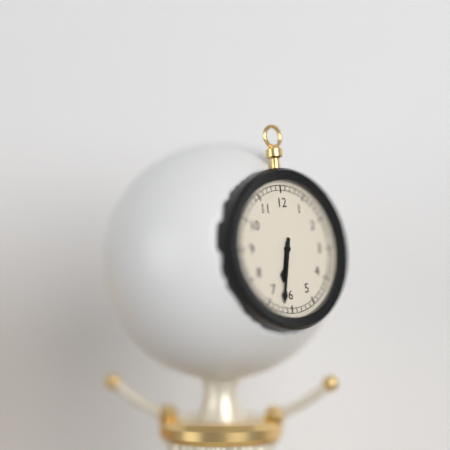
6,32
